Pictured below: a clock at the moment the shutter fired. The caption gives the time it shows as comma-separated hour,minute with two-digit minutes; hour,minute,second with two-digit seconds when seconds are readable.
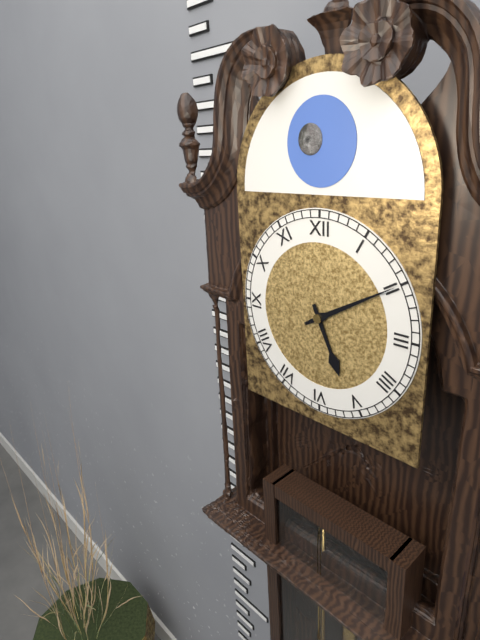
5,10
